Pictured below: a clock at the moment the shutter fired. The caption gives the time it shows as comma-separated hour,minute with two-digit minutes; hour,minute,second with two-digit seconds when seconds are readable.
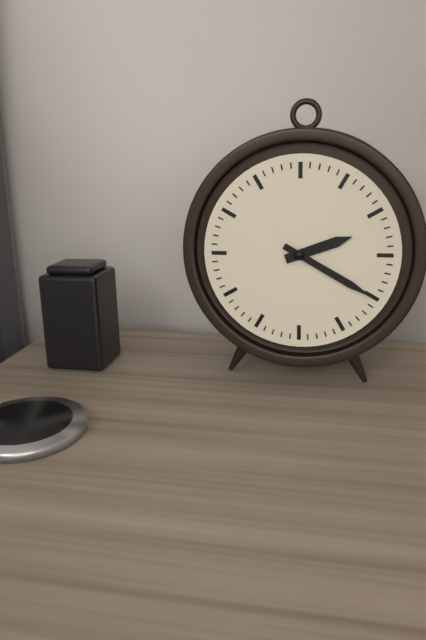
2,20
